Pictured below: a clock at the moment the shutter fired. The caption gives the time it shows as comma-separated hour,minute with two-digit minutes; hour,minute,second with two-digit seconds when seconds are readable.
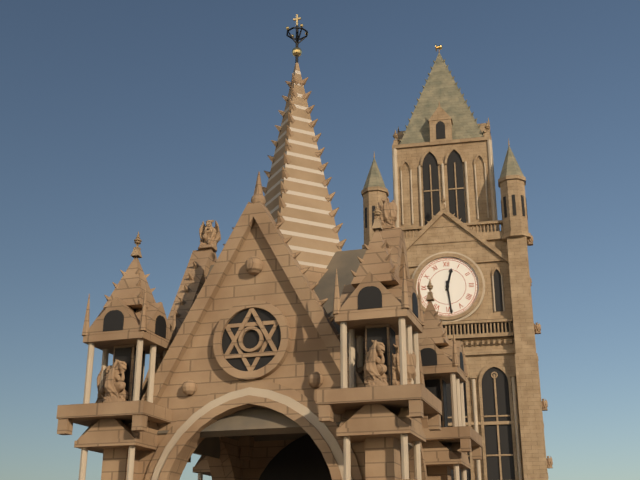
12,29
